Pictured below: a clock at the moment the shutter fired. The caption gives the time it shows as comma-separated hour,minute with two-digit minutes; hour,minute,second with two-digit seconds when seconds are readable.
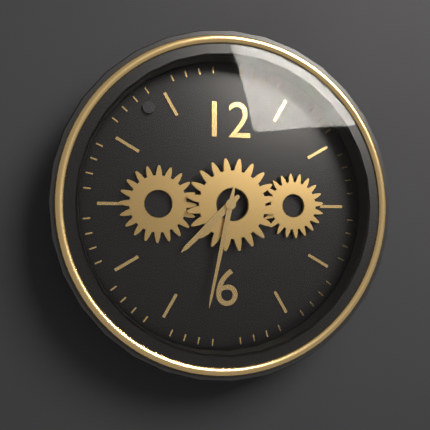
7,32
